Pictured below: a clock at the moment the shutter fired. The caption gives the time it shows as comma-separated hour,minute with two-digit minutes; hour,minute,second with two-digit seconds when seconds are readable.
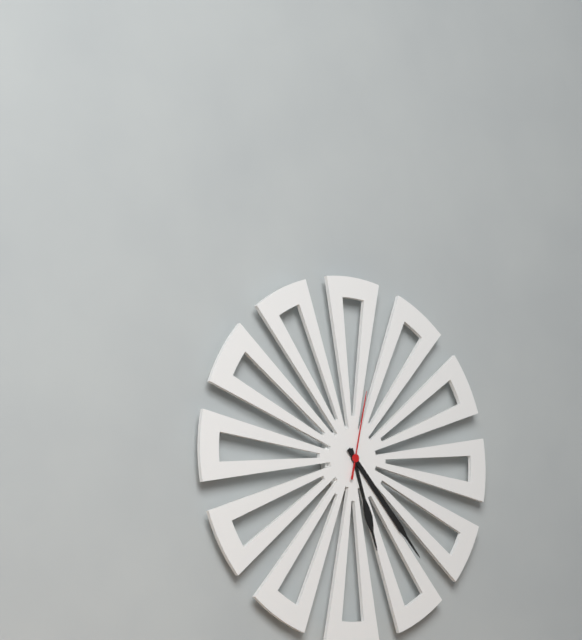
5,23,02
